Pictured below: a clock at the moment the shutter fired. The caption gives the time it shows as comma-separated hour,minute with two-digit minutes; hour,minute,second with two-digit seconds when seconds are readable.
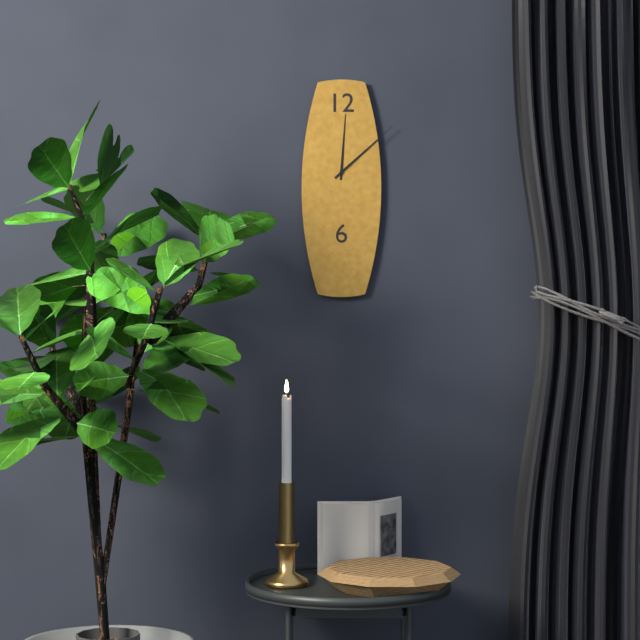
12,08
